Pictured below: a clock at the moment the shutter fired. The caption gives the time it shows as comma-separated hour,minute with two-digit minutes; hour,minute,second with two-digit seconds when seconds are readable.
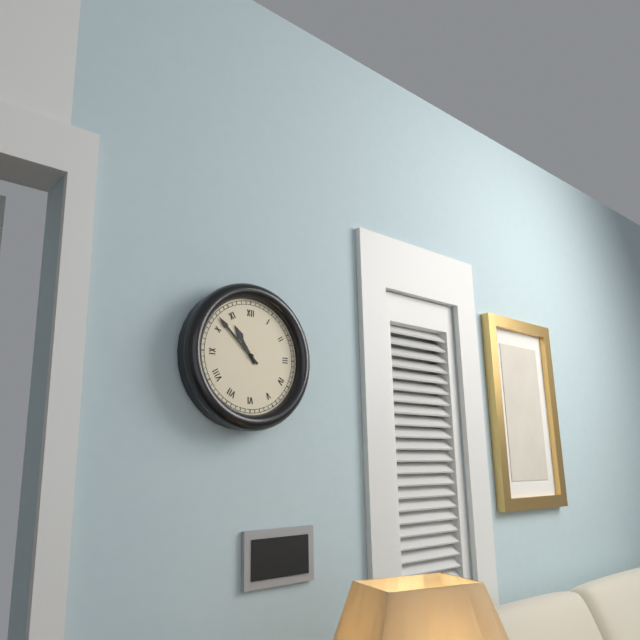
10,52
